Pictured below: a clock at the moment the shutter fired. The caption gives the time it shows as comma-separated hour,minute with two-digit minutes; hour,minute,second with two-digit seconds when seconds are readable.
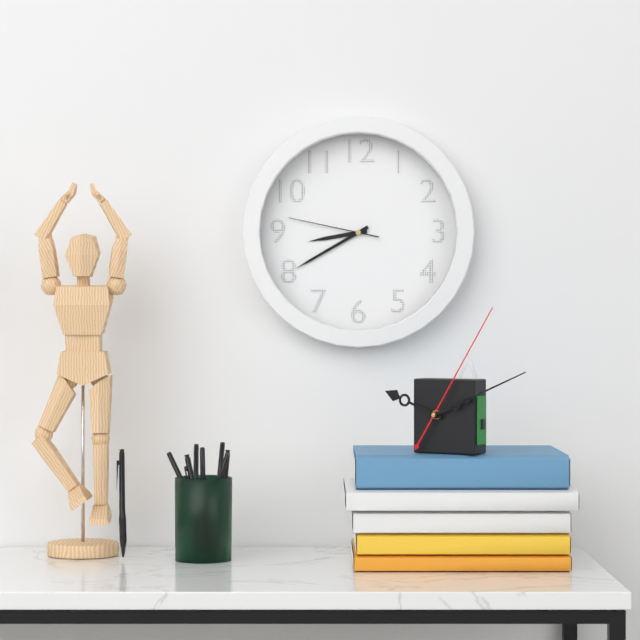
8,40,47
